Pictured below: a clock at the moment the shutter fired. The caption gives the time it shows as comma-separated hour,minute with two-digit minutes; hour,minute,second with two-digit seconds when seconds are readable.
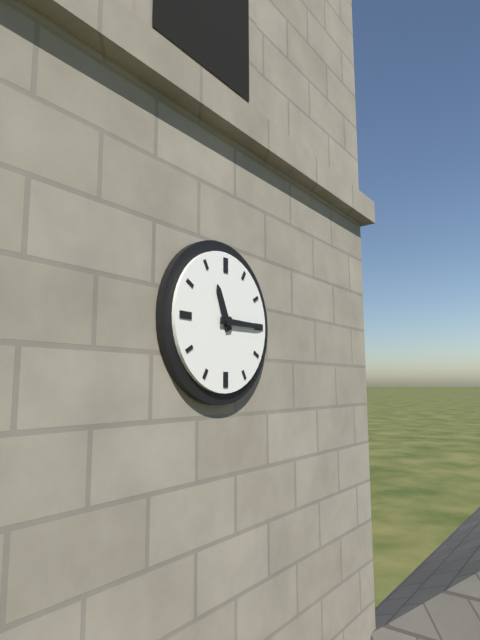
11,15
